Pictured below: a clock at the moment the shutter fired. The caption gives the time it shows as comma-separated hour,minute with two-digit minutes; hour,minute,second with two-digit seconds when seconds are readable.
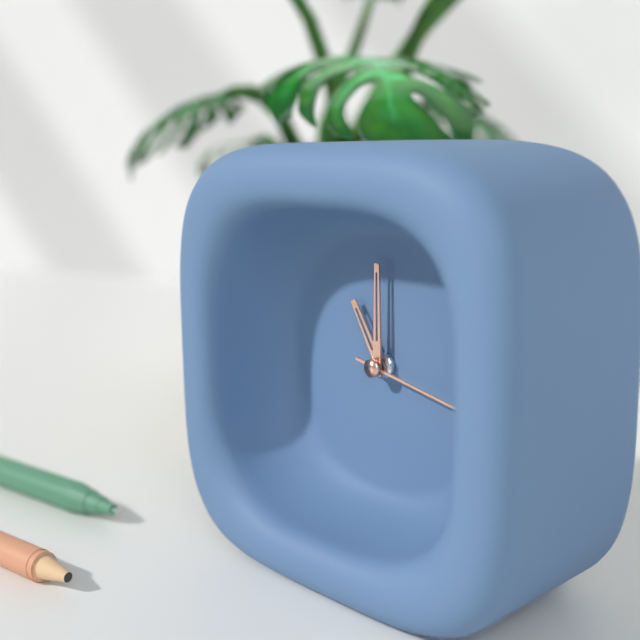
11,00,17
